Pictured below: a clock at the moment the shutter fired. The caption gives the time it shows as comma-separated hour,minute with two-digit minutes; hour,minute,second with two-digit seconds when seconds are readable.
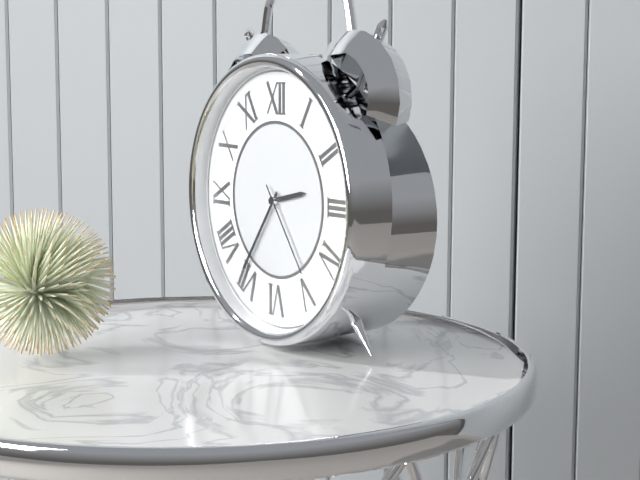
2,36,24
